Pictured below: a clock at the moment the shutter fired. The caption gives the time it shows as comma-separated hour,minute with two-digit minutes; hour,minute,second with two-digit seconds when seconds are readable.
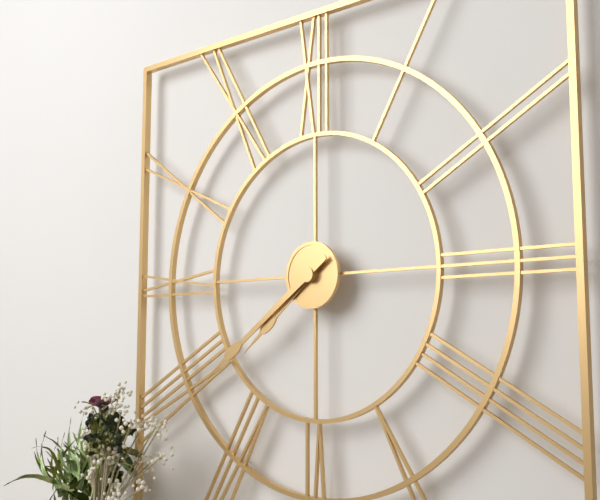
7,39
